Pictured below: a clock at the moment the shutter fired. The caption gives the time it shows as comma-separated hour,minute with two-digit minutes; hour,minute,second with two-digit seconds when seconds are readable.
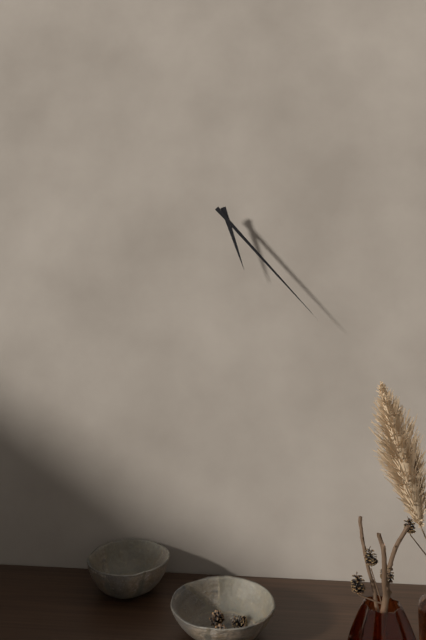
5,23
